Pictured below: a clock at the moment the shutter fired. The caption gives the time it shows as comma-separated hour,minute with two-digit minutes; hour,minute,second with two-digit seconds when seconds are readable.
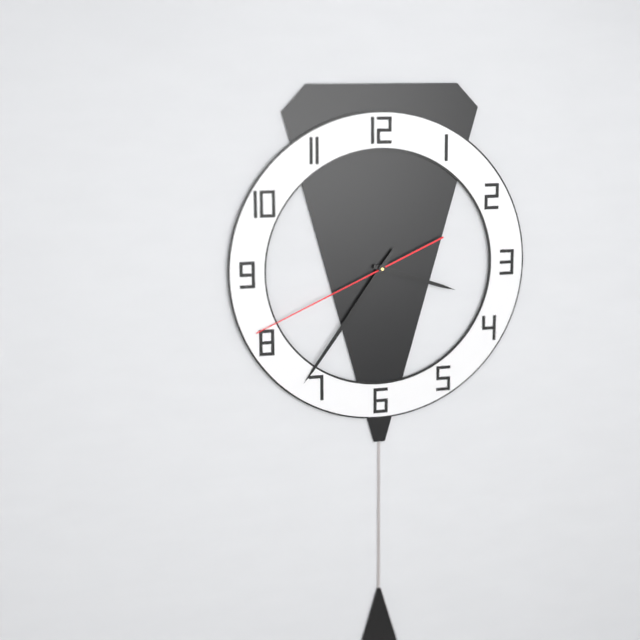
3,36,41
